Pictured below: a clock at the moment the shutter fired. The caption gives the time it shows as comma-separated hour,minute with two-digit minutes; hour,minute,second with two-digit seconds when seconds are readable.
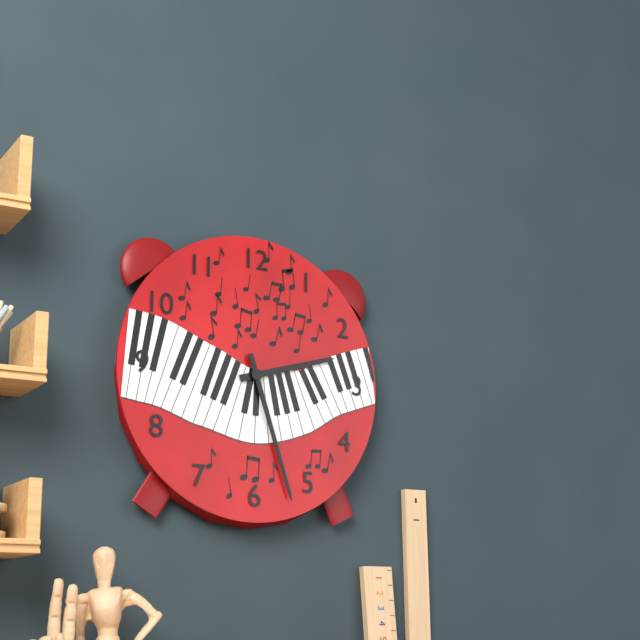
2,27
